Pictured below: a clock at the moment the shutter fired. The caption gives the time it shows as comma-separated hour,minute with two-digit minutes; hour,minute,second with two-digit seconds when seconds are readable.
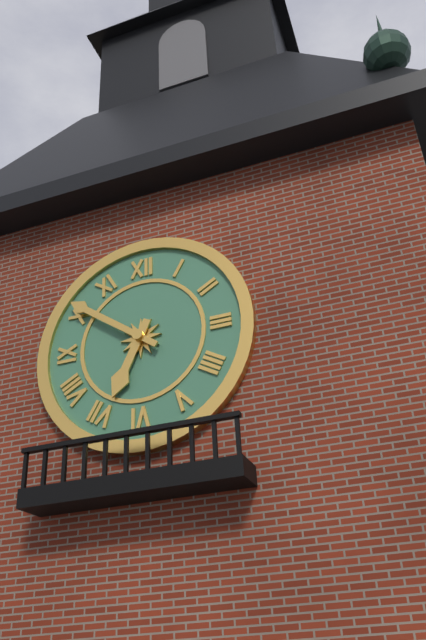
6,51
